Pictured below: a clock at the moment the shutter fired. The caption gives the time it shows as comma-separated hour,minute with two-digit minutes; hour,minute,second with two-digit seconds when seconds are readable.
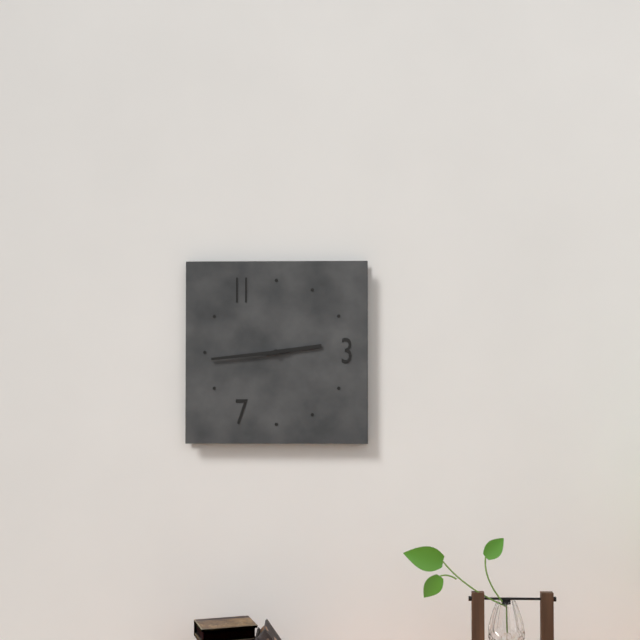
2,44
